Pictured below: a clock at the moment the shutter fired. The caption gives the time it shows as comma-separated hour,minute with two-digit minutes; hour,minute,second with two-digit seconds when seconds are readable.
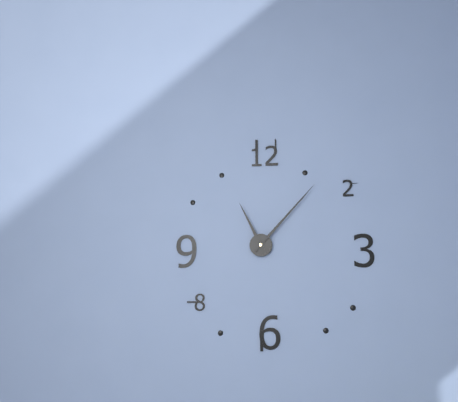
11,07
